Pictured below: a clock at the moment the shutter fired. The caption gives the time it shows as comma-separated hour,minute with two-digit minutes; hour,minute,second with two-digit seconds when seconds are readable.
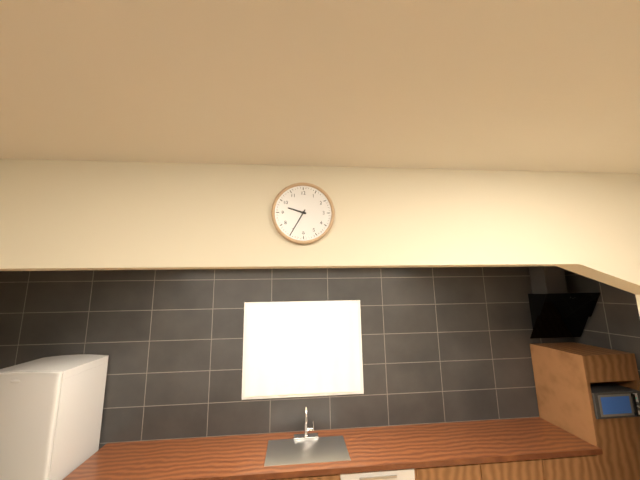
9,35
